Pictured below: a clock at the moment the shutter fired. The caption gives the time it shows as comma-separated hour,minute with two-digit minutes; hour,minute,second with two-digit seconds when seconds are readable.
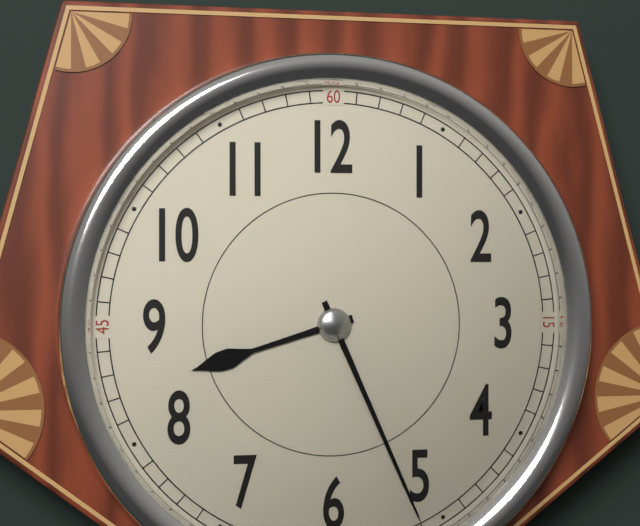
8,26
